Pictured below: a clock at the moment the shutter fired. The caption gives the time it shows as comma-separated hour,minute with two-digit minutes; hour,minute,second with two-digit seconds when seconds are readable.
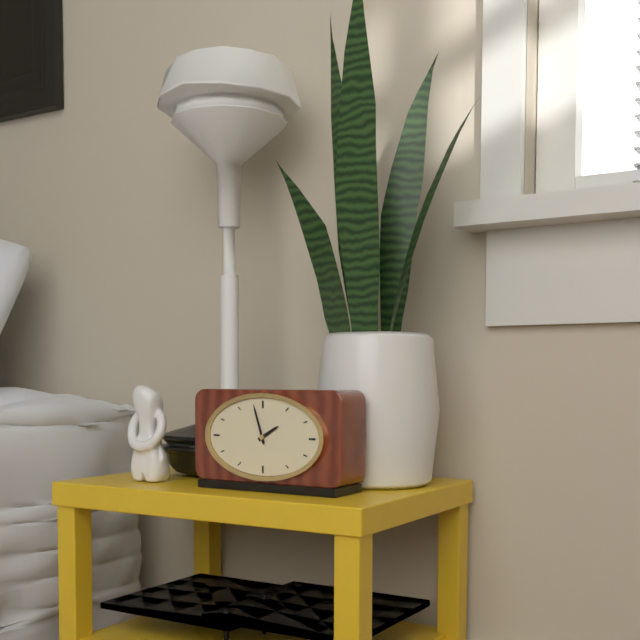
1,57
